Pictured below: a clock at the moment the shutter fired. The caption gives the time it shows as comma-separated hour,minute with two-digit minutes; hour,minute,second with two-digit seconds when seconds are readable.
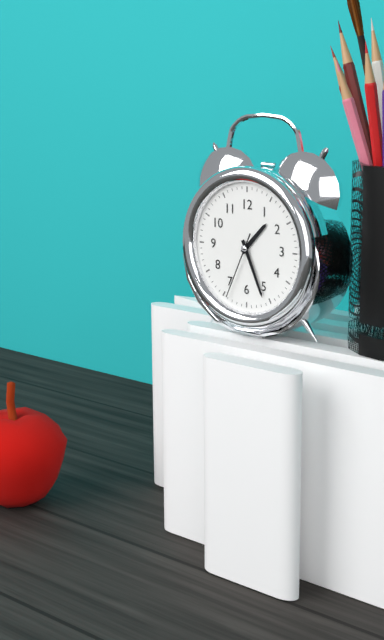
1,26,34
